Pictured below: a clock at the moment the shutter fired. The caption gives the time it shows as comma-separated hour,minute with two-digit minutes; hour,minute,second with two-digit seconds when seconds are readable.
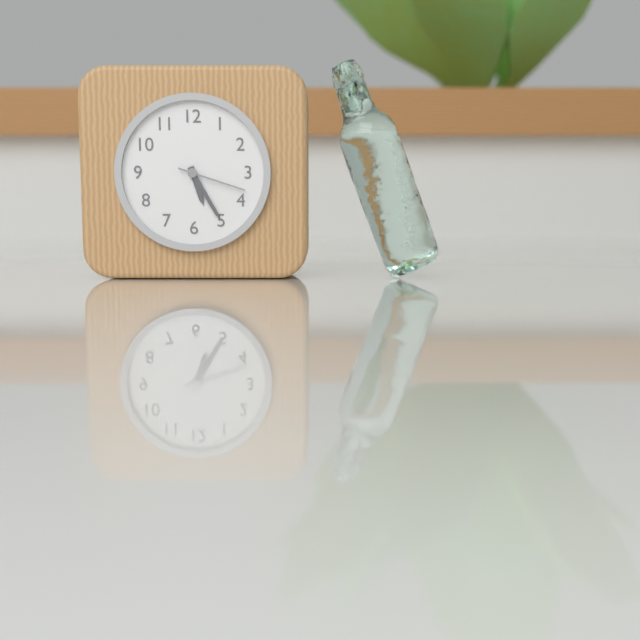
5,25,18
